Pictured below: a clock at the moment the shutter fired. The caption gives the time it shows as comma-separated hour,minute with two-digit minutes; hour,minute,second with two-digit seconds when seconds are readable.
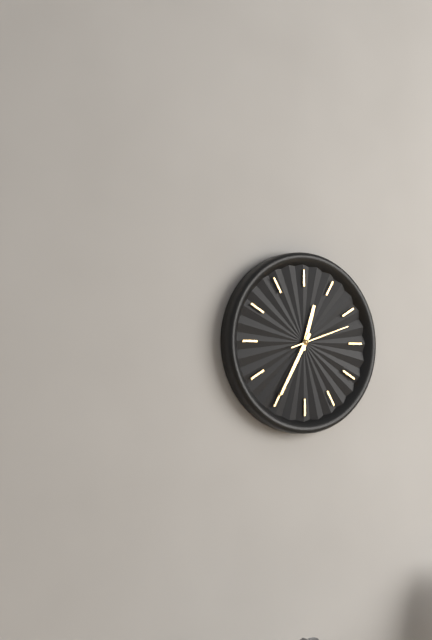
12,35,12
